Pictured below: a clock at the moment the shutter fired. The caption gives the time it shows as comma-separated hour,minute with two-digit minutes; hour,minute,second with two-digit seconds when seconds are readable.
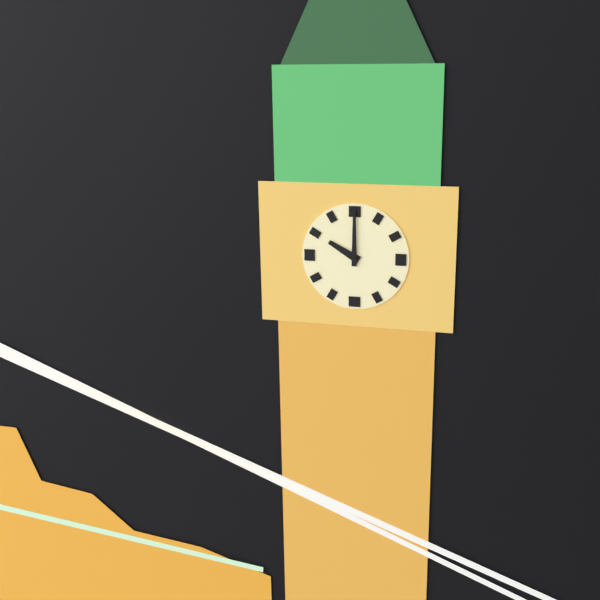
10,00
